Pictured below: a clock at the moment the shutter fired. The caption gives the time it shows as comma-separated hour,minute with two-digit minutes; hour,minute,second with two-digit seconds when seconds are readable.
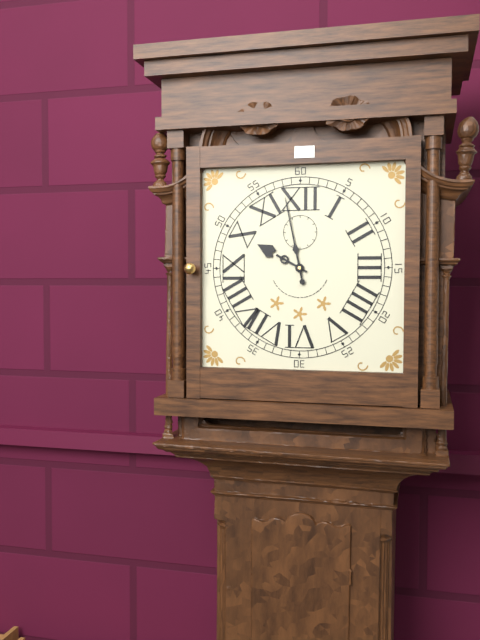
9,58
